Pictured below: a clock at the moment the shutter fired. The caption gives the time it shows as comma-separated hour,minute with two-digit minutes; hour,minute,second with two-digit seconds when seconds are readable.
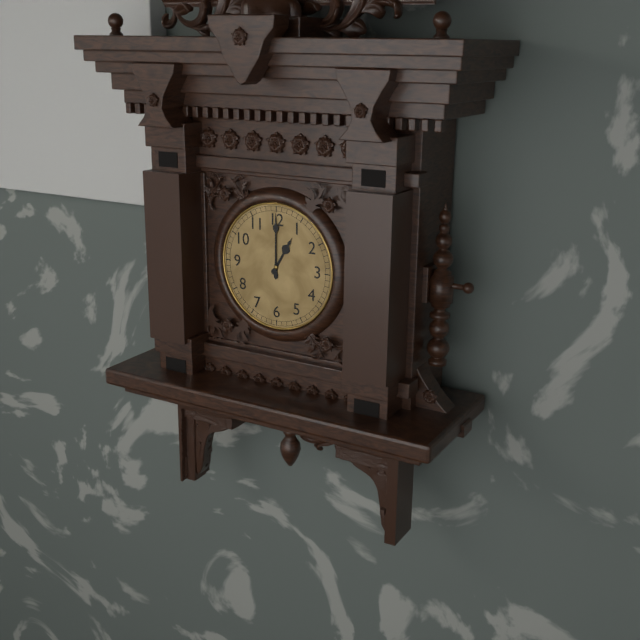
1,00
